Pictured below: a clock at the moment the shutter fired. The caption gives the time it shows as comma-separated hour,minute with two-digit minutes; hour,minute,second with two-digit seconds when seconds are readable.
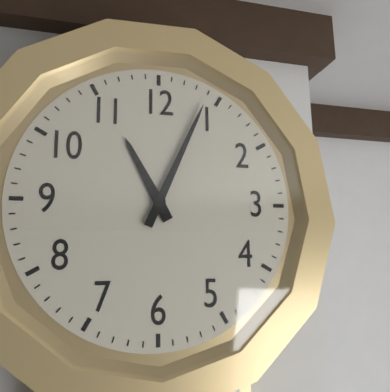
11,04
